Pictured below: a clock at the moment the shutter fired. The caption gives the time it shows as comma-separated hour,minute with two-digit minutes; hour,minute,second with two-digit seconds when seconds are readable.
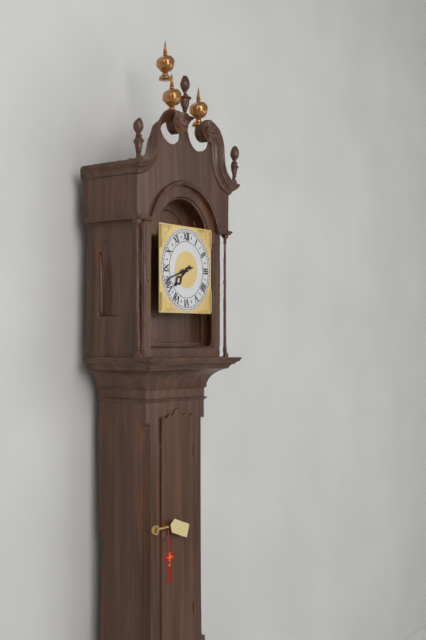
7,42
